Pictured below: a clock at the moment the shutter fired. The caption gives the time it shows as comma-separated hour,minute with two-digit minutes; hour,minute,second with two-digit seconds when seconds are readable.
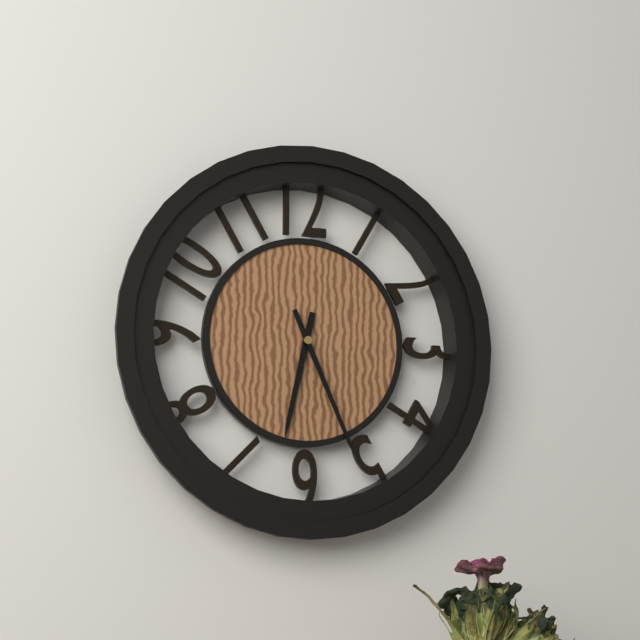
6,26
